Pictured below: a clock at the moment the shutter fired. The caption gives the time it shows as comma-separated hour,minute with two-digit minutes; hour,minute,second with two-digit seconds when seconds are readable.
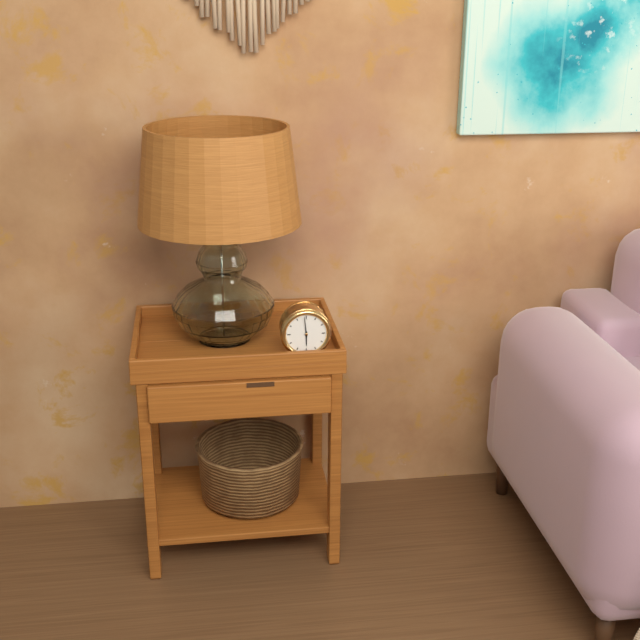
5,59
